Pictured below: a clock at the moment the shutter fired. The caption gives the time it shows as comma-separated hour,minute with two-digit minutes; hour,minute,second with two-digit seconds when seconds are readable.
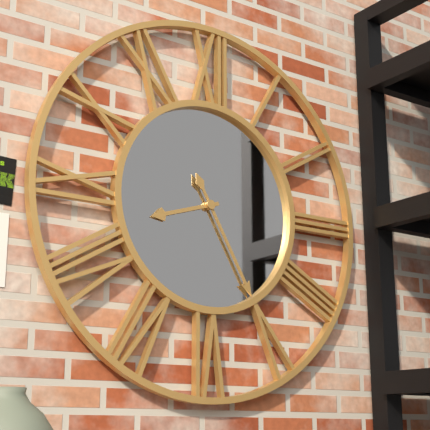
8,25
